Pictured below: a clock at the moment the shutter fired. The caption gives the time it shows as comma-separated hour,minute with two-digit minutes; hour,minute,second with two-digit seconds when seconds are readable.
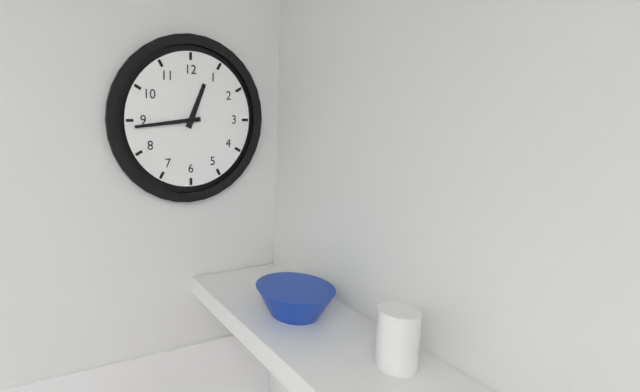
12,44
